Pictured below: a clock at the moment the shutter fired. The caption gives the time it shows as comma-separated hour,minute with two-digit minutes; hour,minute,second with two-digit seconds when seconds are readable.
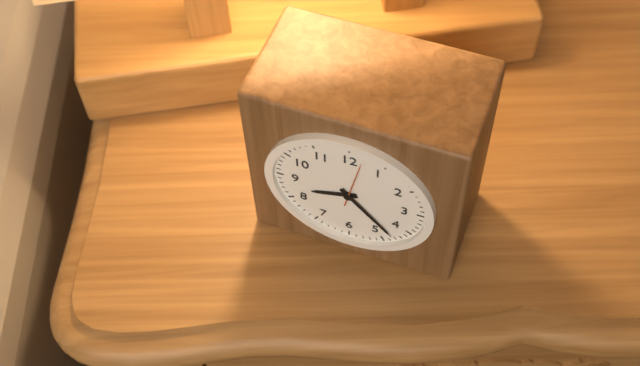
8,23
